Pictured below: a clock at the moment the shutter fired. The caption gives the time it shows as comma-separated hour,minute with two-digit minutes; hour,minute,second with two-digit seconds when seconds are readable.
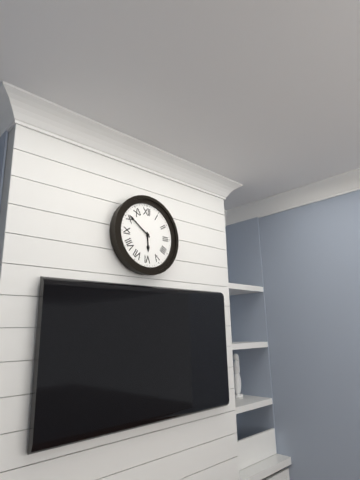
5,51
